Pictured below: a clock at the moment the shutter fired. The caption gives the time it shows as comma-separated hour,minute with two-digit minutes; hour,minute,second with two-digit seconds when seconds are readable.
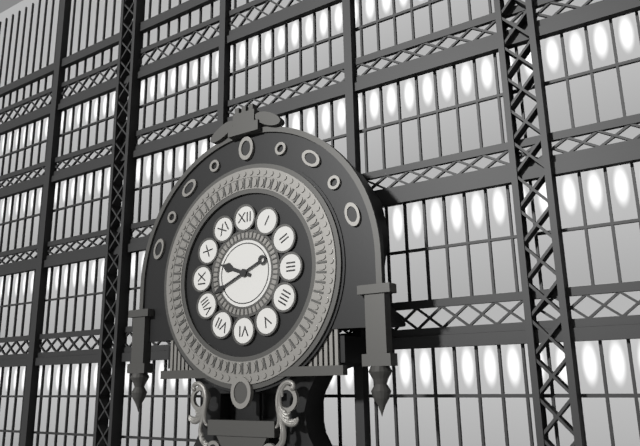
9,41
